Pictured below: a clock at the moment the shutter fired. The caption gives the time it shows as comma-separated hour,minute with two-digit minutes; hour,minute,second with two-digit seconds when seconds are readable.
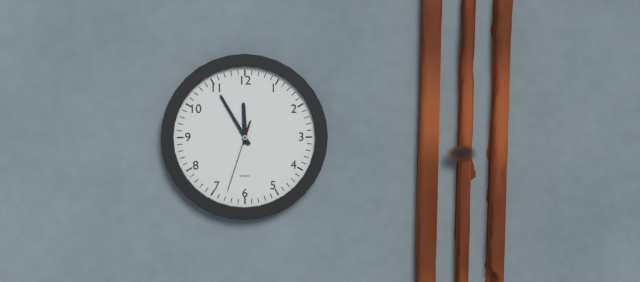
11,55,33
